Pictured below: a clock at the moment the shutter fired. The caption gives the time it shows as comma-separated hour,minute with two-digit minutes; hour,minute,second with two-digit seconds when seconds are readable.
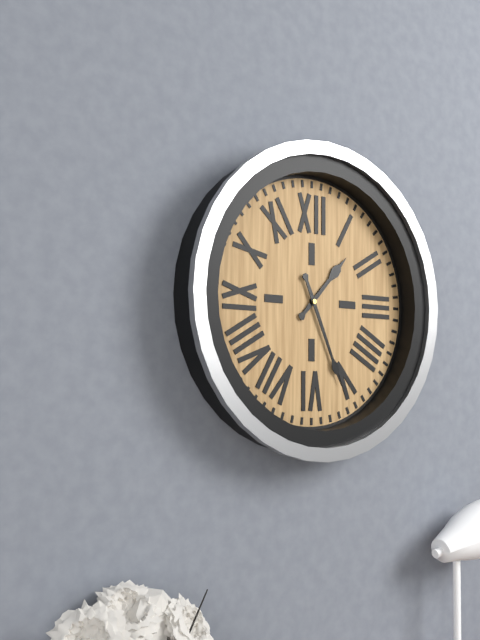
1,26
